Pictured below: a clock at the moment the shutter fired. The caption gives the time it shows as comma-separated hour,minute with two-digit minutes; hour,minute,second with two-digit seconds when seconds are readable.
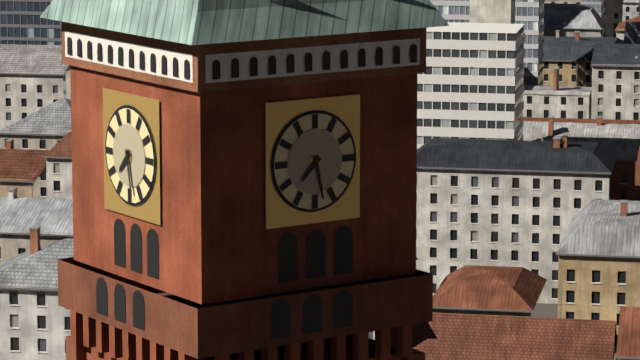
7,28
